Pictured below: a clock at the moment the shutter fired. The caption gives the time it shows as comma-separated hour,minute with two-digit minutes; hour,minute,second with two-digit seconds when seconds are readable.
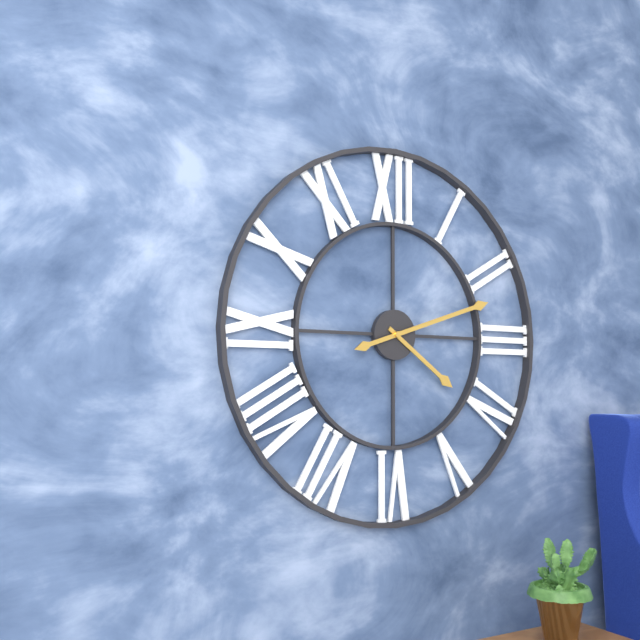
4,12
